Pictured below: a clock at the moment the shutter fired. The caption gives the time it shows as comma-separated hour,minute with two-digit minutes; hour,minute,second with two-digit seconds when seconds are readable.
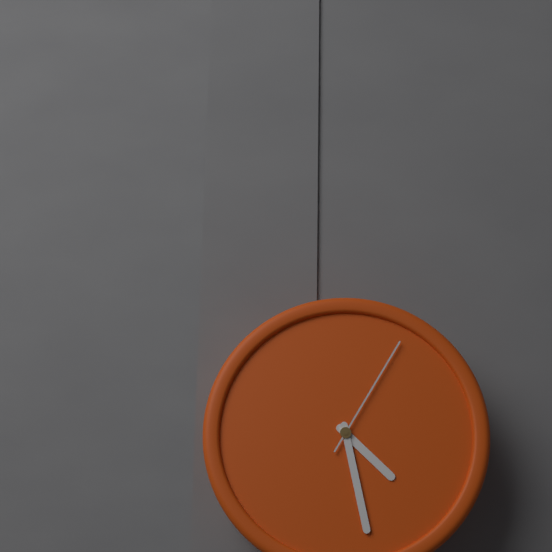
4,28,05
